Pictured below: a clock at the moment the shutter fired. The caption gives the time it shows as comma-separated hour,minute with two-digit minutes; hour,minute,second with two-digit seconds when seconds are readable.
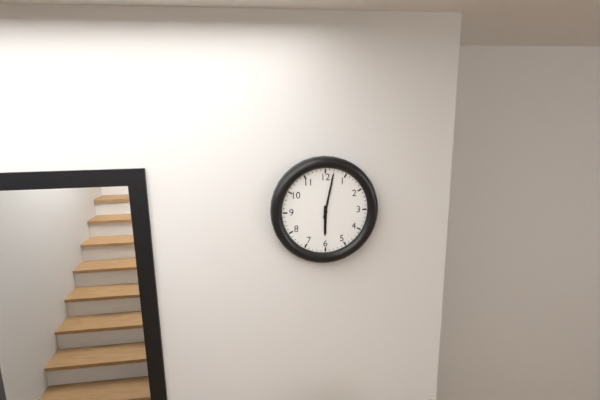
6,02
